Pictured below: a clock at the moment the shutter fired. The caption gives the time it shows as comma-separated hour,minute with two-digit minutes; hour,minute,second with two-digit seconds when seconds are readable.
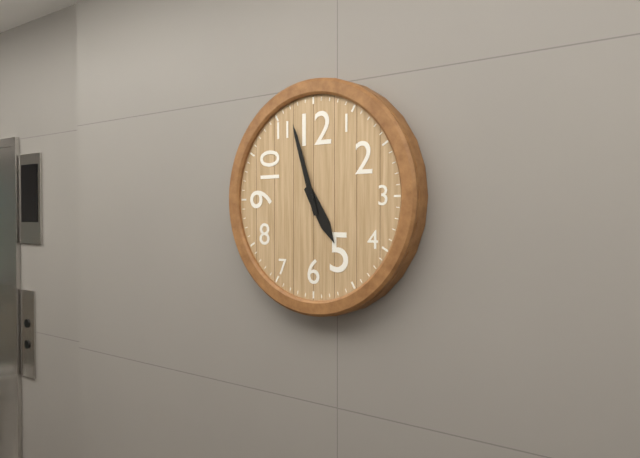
4,57
